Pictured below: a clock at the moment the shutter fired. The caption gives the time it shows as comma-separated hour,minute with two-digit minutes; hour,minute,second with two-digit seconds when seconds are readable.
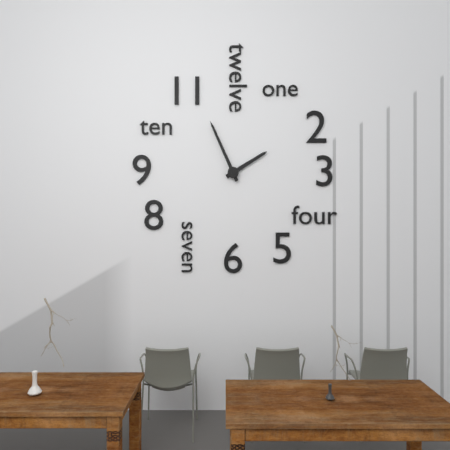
1,56
